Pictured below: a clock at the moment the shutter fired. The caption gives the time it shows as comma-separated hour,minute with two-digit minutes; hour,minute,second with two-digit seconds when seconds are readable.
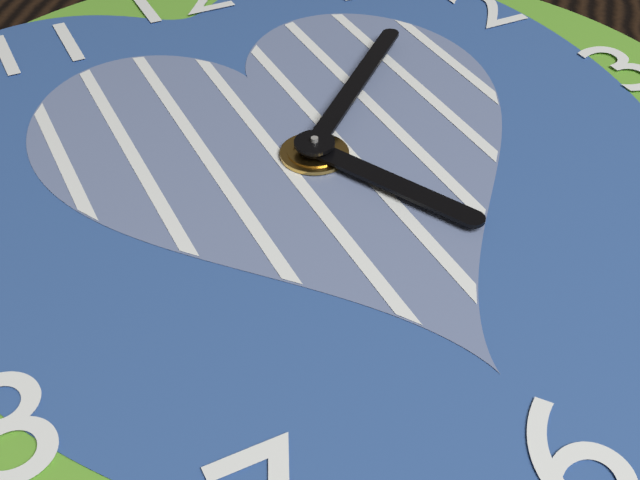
5,08
